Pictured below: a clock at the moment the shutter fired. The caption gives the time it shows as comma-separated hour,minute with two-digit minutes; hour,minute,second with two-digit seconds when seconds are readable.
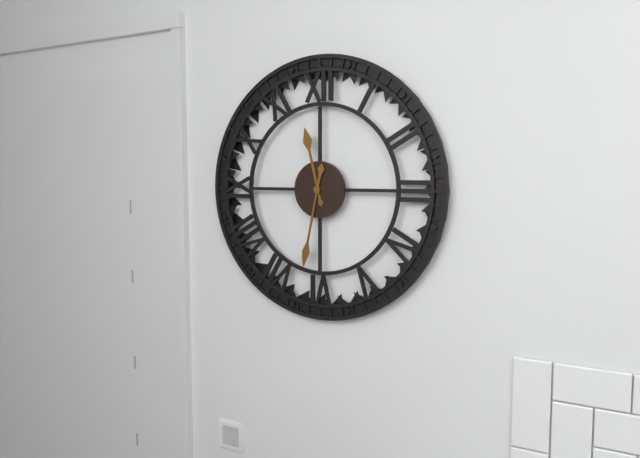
11,32
